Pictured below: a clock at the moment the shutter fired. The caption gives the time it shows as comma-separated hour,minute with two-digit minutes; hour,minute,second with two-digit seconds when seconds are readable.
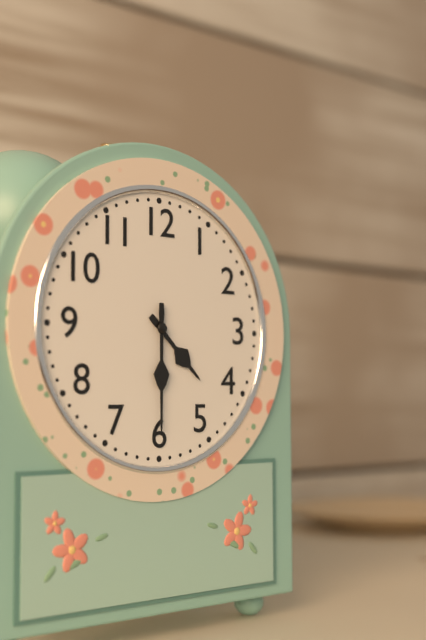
4,30
